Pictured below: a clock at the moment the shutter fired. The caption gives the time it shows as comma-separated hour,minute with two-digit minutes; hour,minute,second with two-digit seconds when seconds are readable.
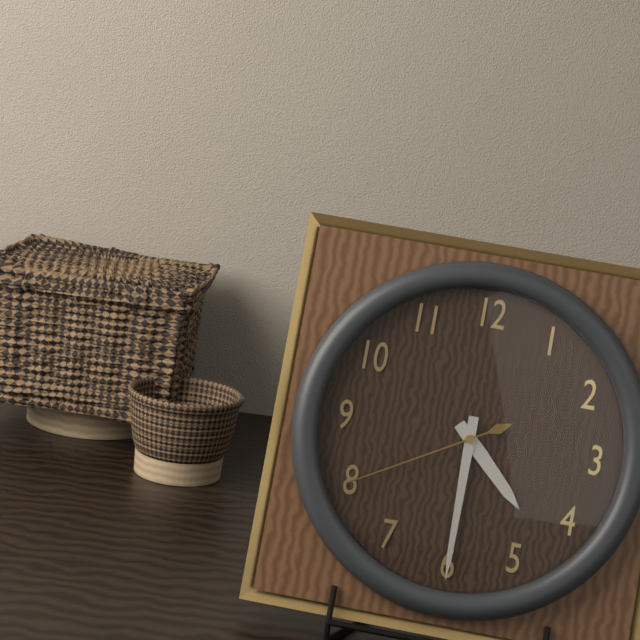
4,30,40
